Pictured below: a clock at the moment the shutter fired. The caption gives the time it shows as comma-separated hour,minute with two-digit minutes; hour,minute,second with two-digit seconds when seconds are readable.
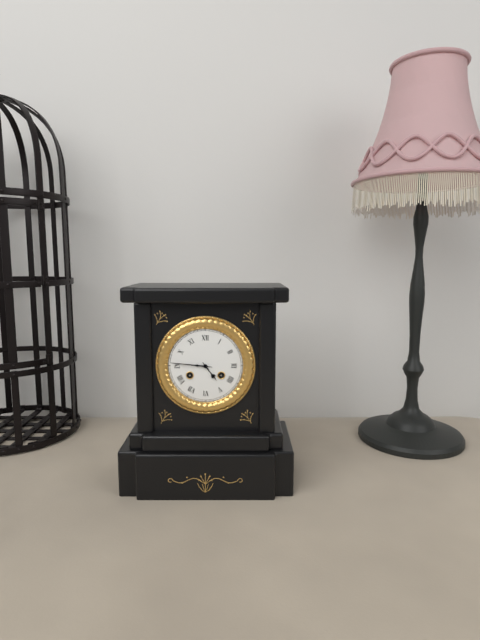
4,46
